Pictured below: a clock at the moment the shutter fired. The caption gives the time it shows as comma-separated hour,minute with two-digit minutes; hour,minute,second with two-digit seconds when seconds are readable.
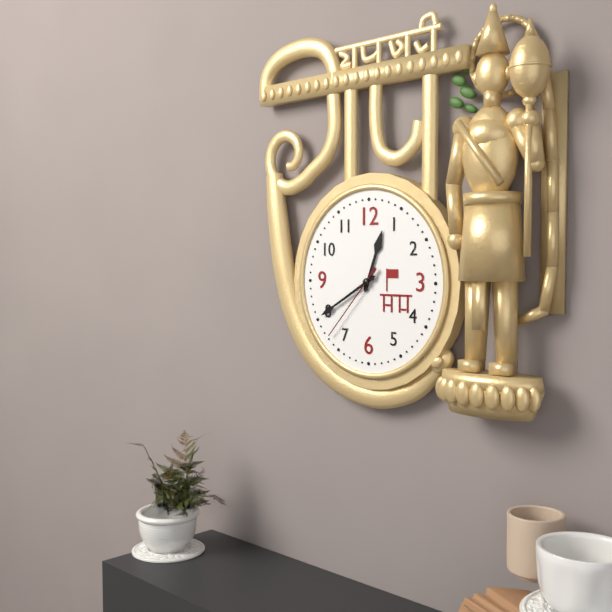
12,40,37
